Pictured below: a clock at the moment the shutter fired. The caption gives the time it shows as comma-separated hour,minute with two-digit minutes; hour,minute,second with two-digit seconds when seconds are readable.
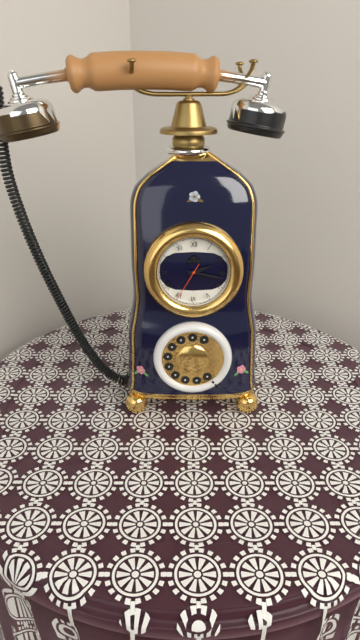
2,17
